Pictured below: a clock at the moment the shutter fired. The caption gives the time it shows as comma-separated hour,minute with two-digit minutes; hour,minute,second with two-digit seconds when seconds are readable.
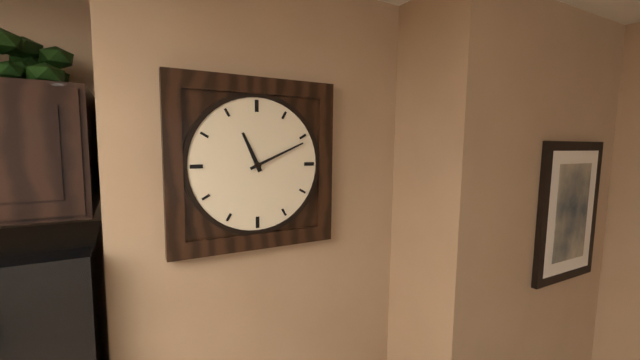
11,11
